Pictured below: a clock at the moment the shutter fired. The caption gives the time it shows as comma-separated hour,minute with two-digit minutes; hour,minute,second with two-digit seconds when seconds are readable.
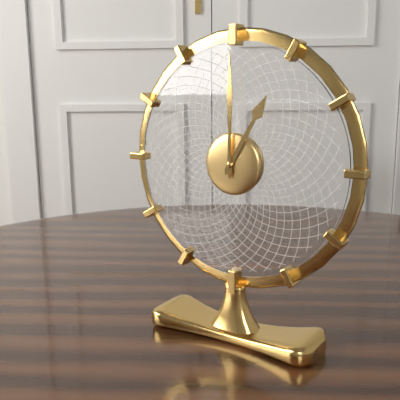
1,00
